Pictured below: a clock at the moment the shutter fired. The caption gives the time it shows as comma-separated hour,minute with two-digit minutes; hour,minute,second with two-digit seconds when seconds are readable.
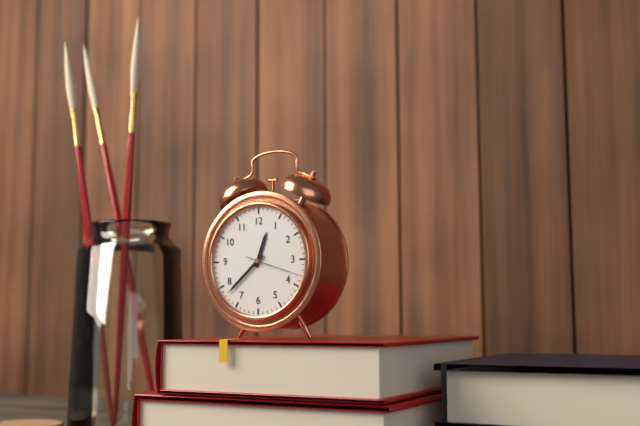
12,38,18
